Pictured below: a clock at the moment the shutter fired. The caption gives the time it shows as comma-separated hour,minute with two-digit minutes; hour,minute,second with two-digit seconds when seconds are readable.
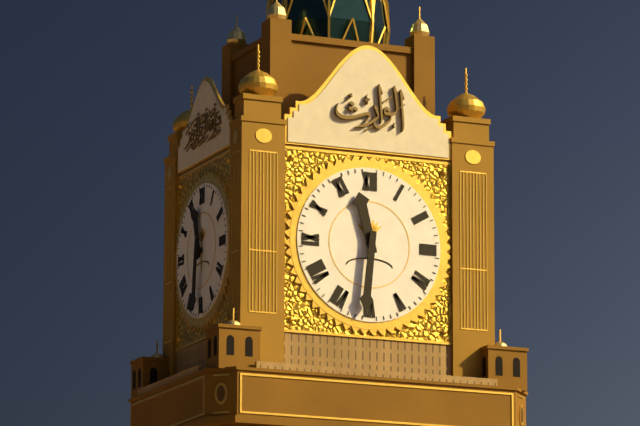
11,31
